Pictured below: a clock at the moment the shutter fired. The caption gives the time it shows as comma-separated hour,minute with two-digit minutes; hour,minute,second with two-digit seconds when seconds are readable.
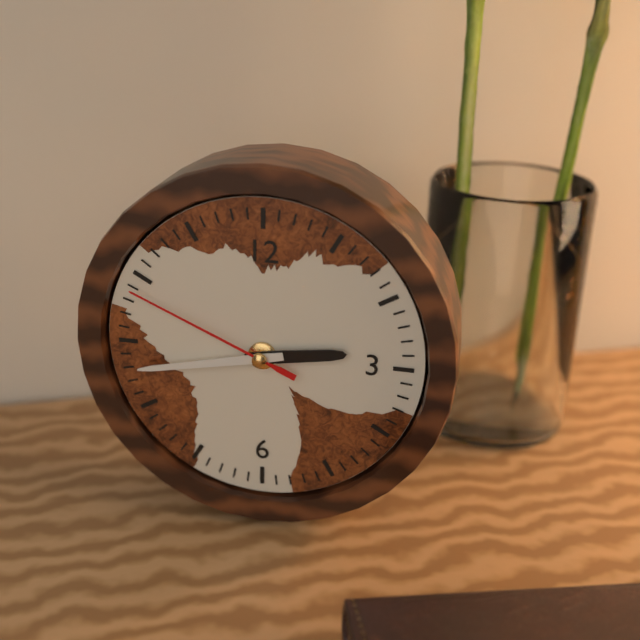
2,43,49
